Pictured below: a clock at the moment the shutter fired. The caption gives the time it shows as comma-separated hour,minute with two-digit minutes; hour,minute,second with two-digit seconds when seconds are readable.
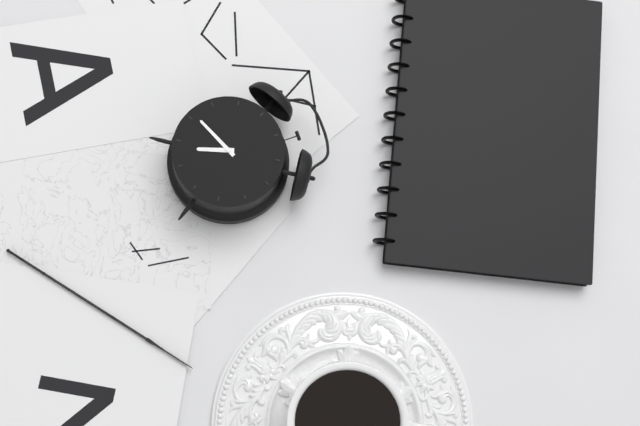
6,41
